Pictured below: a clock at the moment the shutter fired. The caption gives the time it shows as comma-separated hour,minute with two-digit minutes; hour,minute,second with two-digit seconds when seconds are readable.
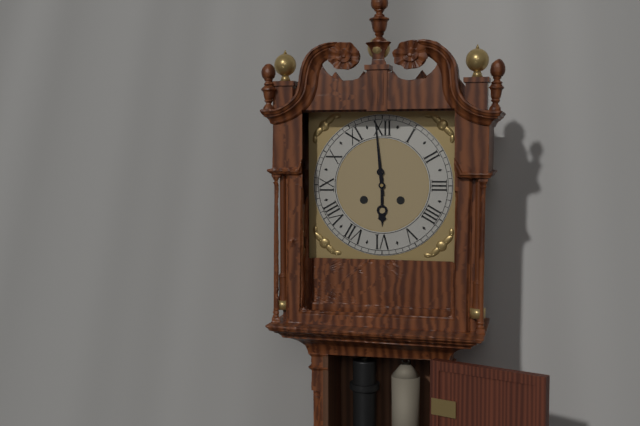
5,59
